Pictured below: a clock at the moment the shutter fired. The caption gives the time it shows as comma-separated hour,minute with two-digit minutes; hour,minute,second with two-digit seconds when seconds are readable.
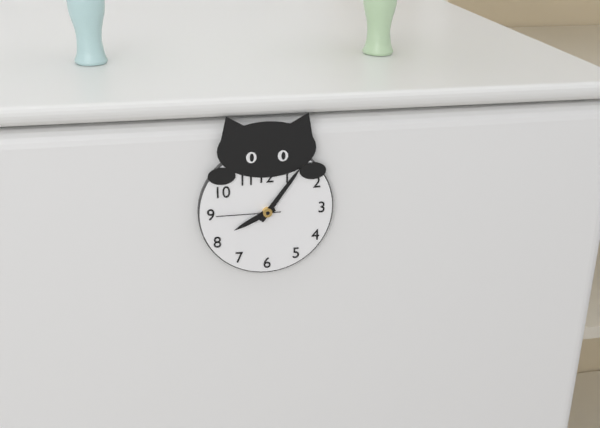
8,06,45
